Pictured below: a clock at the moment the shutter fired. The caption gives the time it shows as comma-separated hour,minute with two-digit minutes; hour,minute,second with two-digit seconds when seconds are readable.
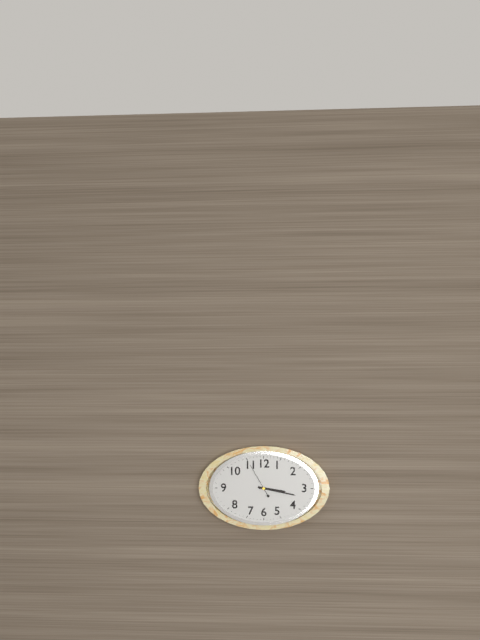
3,17
